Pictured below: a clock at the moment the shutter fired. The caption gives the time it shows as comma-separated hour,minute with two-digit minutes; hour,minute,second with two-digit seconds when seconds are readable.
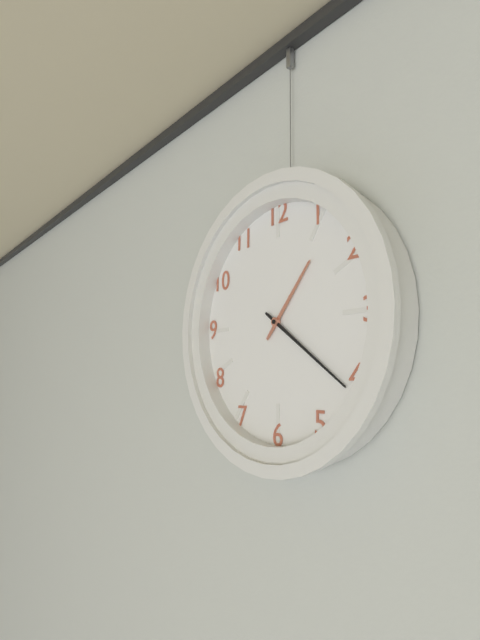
1,21
